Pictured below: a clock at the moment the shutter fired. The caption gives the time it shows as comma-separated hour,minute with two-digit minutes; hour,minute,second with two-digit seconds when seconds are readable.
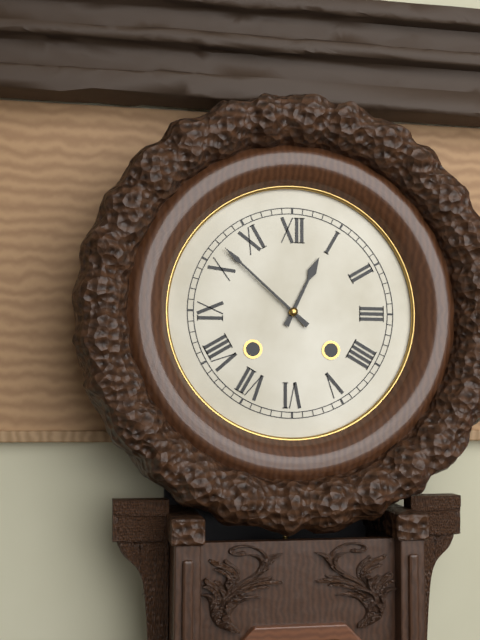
12,52
